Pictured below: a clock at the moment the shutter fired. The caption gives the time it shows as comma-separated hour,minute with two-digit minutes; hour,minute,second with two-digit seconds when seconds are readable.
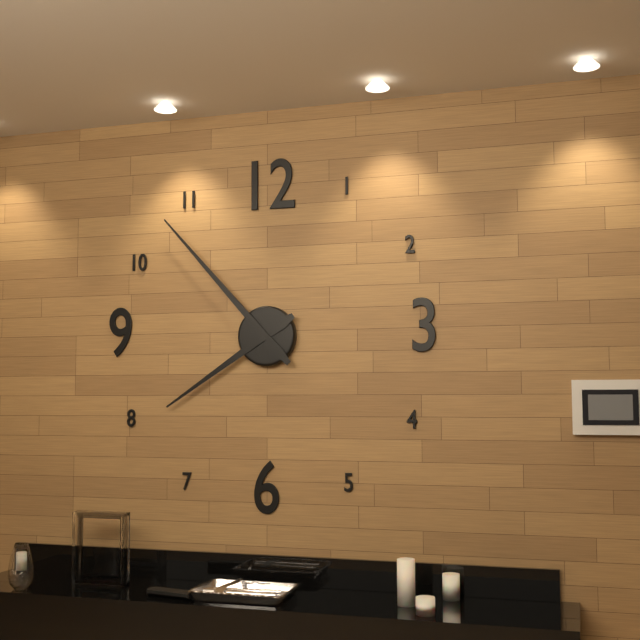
7,53
